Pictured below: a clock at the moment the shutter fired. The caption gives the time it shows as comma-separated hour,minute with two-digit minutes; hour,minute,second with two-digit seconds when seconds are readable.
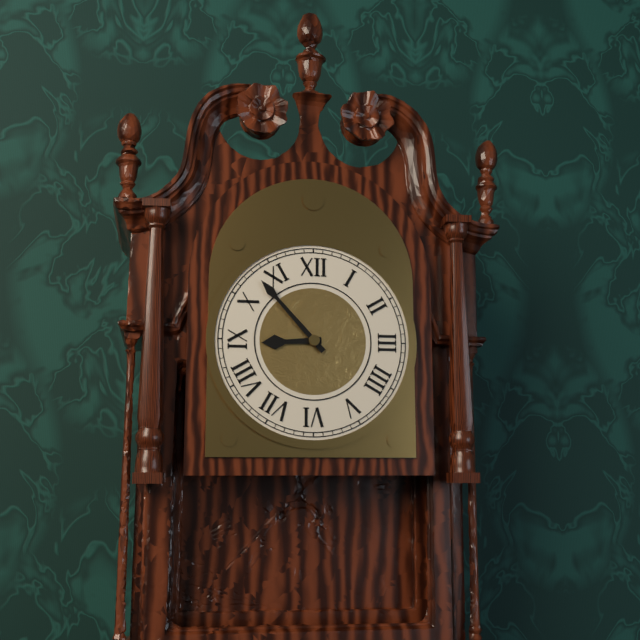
8,53
